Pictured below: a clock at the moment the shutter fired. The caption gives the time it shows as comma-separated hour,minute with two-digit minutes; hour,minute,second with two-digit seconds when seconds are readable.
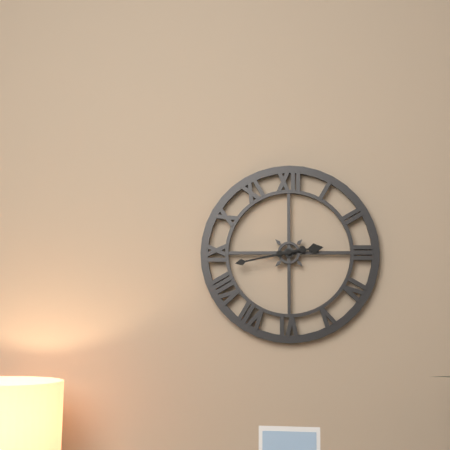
2,43
